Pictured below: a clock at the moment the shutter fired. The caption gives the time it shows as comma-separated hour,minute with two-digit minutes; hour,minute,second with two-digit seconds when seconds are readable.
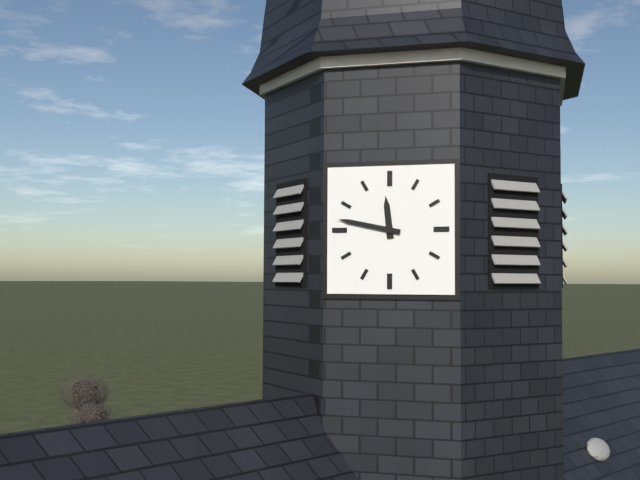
11,47
